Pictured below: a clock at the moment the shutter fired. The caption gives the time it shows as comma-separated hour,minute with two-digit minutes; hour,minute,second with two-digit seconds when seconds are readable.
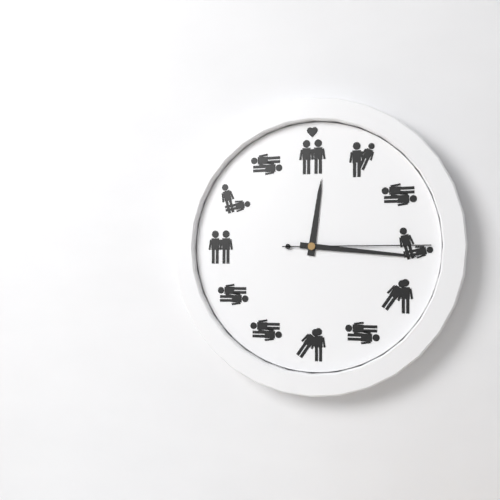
12,16,15
